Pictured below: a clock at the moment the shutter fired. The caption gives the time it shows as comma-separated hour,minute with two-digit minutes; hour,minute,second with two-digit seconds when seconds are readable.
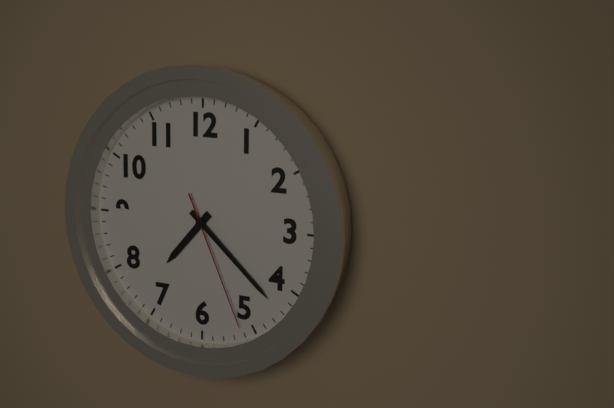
7,22,26
